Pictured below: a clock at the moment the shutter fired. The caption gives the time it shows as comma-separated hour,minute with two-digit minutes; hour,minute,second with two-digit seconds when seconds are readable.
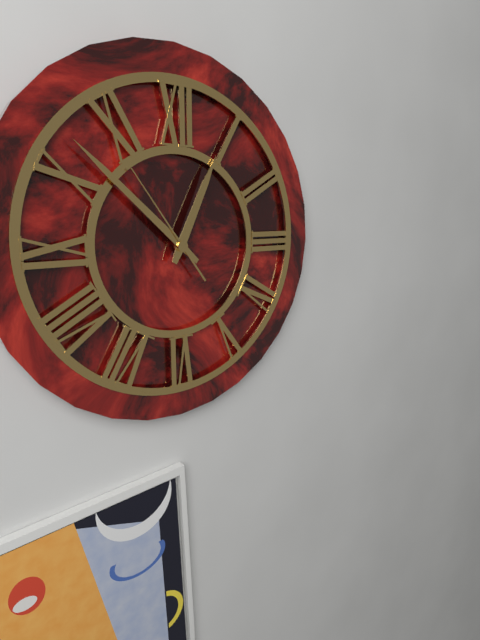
12,52,54
